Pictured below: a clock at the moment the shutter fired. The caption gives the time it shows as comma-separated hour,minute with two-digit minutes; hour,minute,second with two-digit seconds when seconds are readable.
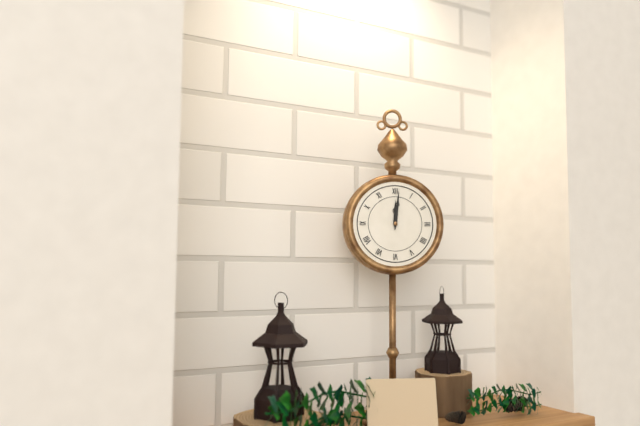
12,01
